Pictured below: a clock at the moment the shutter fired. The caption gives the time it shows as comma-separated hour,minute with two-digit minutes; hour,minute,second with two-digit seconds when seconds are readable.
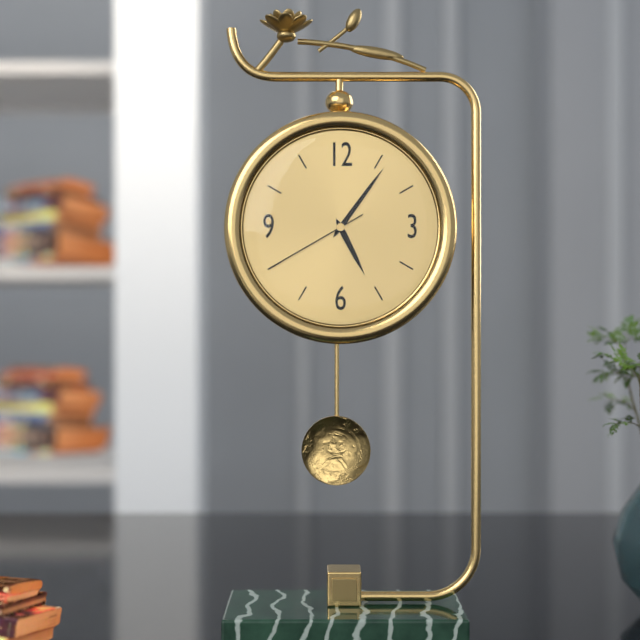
5,06,40
